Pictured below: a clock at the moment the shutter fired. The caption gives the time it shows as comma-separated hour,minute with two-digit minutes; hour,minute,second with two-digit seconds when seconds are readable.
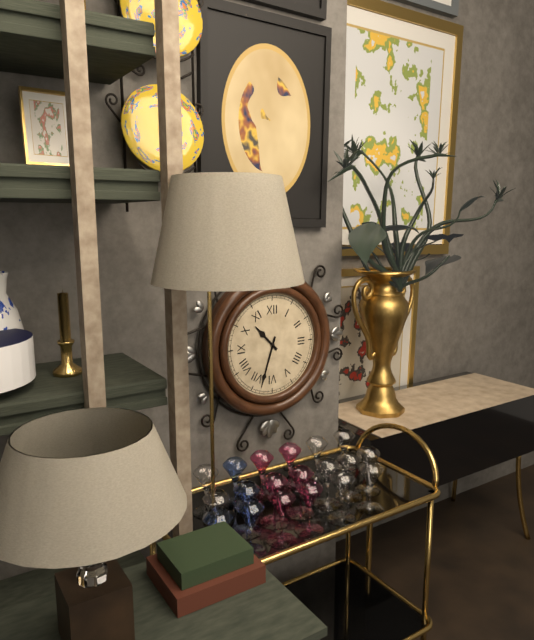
10,33
